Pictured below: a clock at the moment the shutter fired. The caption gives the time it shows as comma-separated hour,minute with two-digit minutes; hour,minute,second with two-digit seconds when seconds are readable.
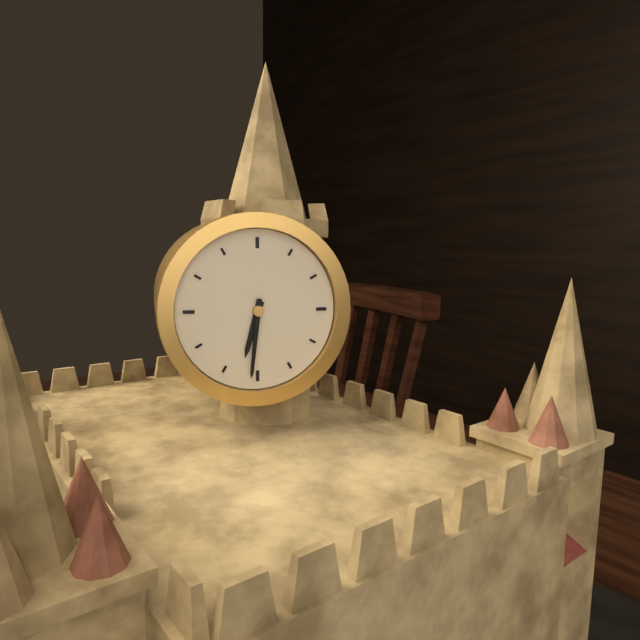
6,31
